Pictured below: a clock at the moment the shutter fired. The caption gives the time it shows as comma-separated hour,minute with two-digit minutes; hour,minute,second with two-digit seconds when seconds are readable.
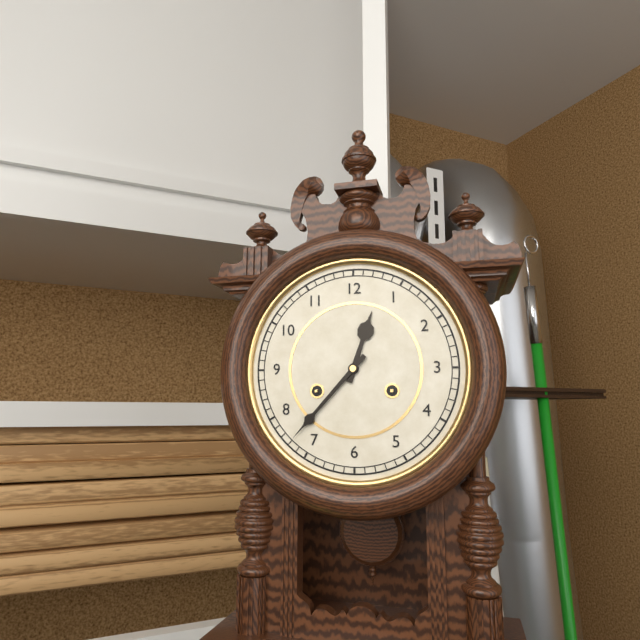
12,37
